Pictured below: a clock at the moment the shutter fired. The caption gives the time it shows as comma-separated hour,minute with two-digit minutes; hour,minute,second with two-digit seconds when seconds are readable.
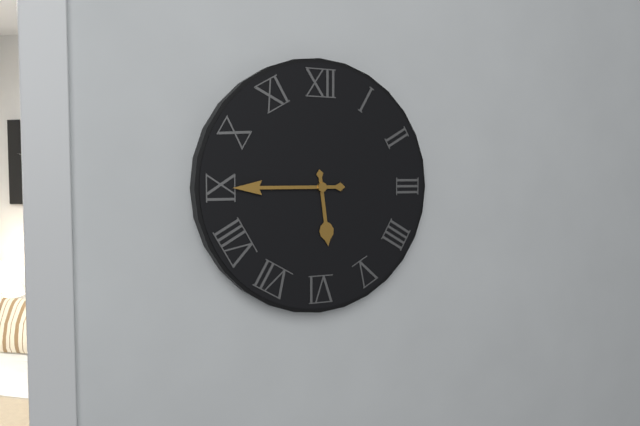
5,45
